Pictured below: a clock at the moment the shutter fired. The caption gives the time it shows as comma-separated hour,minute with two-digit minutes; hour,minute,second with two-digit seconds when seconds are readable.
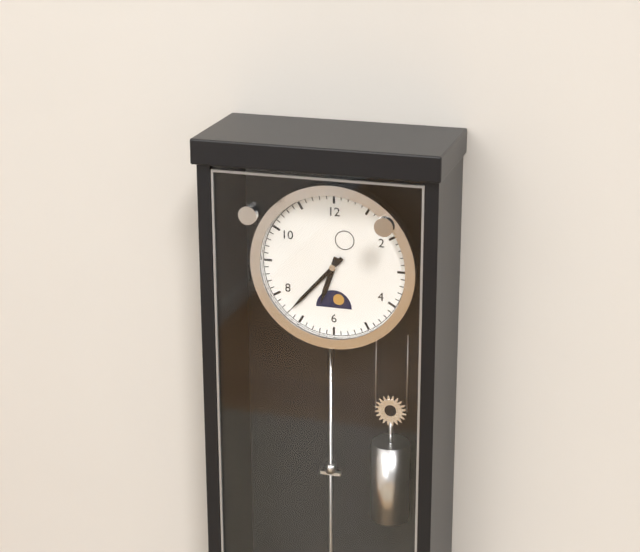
6,37
